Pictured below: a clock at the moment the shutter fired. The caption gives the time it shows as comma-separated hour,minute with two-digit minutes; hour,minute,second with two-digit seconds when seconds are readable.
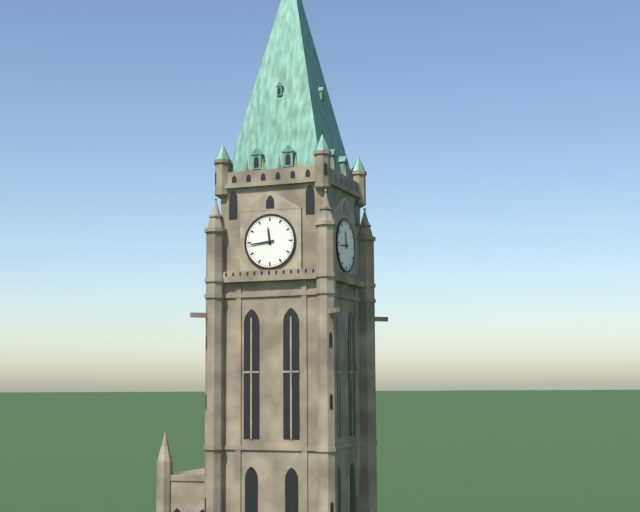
11,44
